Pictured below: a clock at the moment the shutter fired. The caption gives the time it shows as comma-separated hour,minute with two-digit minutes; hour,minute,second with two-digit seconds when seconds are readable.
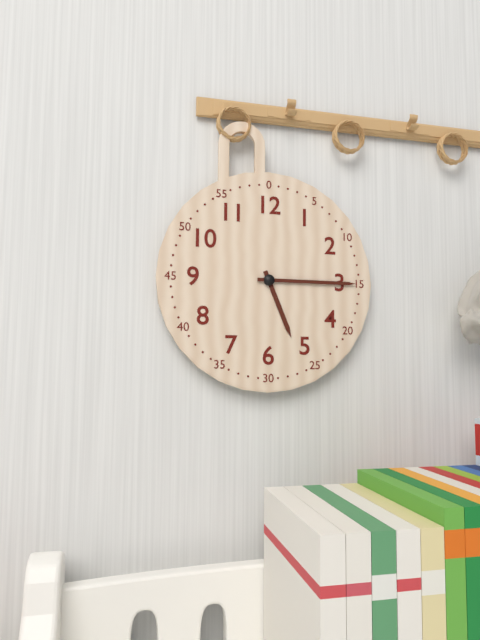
5,15
